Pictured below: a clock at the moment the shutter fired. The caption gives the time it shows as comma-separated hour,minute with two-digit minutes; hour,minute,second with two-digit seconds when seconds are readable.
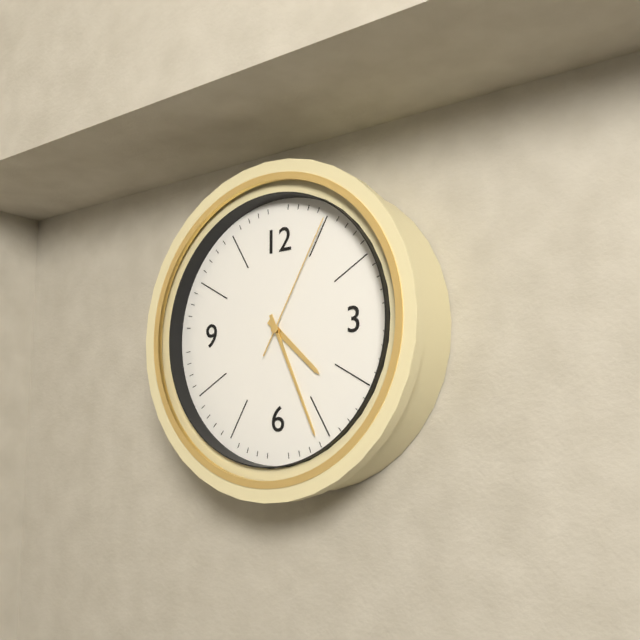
4,26,05
